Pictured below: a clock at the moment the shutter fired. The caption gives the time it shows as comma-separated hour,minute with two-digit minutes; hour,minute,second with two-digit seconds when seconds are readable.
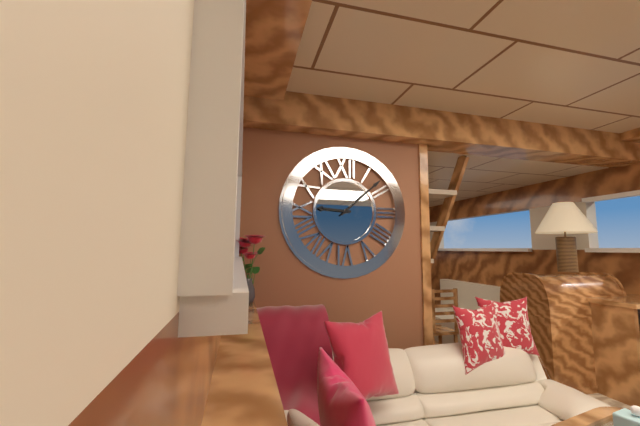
9,08
